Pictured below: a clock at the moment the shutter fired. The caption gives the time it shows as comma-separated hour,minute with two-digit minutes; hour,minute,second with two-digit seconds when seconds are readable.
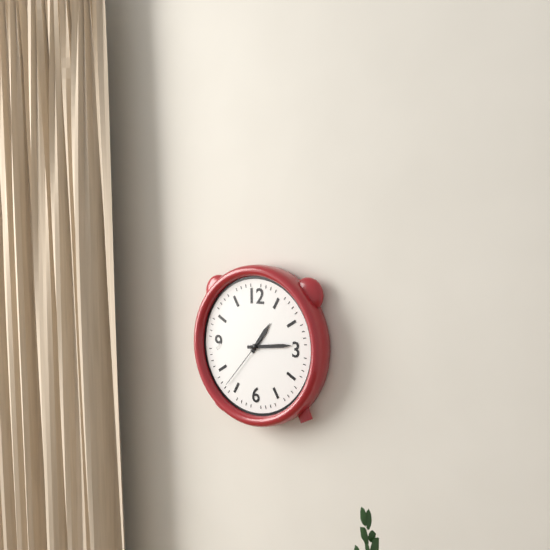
1,14,37
